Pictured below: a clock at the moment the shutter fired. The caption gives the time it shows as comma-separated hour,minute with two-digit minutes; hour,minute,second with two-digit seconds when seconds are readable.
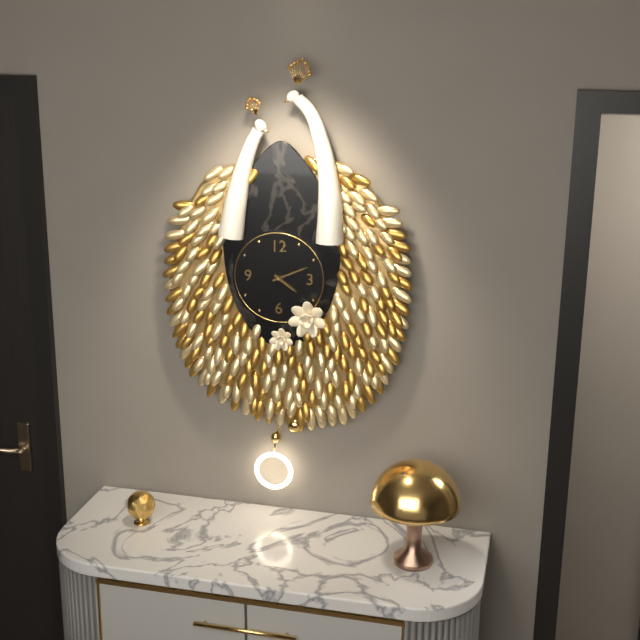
4,11
